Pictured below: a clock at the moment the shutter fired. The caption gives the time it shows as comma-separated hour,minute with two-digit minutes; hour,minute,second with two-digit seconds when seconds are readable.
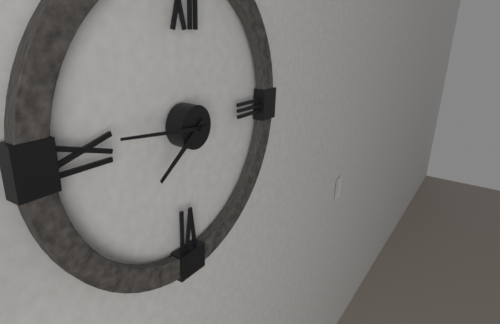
7,46
